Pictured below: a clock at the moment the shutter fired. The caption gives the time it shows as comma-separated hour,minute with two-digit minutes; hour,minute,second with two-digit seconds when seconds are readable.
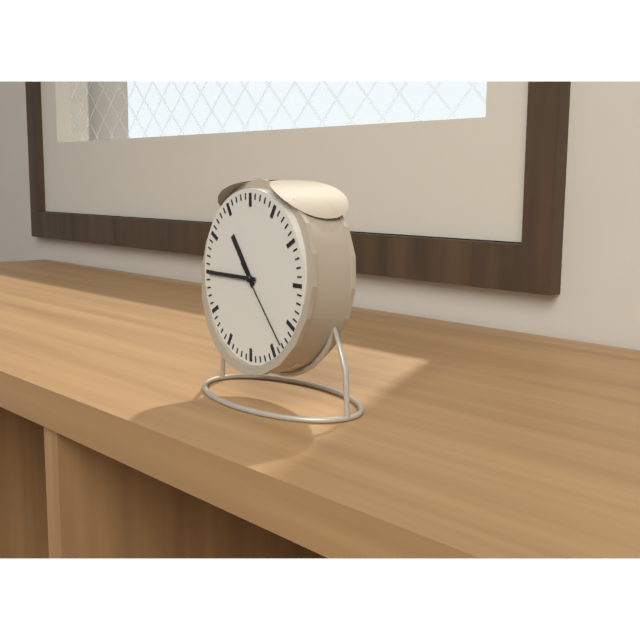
10,45,23
